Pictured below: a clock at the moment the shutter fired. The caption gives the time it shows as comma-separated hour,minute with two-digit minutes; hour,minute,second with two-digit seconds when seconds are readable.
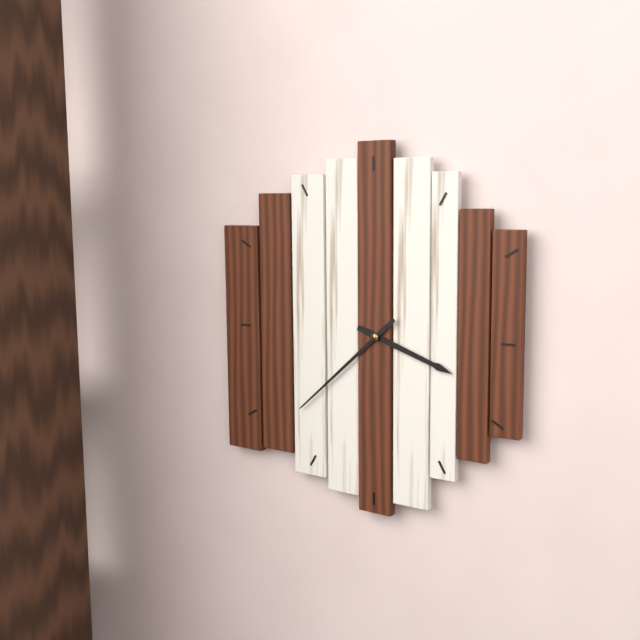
3,38
